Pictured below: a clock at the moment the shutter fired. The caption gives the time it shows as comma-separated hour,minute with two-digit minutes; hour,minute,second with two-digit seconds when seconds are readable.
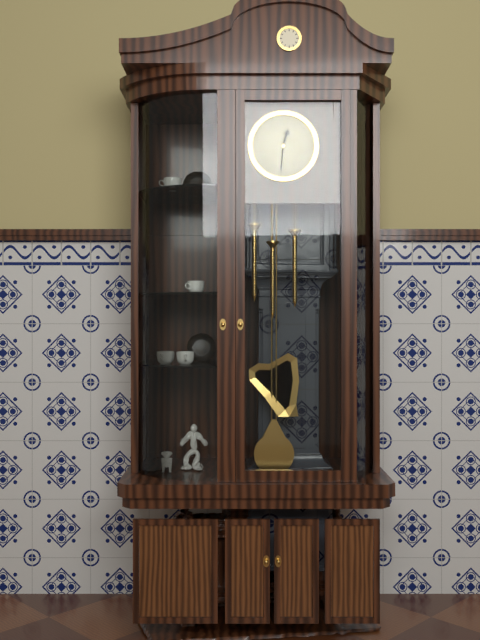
12,31
